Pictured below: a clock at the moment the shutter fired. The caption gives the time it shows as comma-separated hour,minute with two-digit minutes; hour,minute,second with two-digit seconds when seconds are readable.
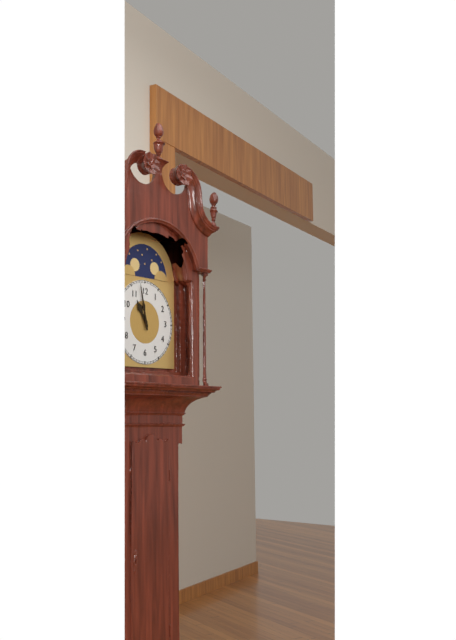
10,58
